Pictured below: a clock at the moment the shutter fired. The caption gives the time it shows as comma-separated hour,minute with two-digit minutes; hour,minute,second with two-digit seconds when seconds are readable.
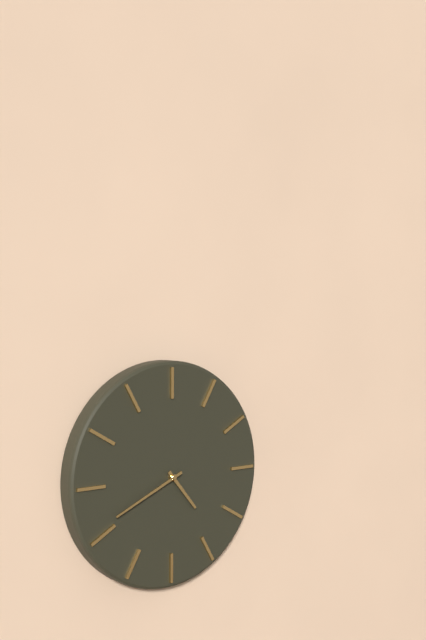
4,41
